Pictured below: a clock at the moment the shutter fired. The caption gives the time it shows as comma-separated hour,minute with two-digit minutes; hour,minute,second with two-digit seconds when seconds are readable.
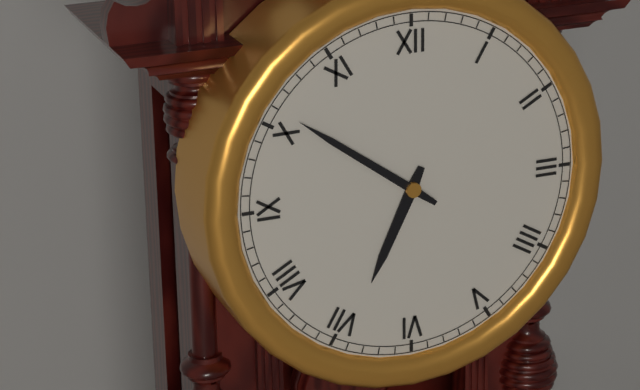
6,51
